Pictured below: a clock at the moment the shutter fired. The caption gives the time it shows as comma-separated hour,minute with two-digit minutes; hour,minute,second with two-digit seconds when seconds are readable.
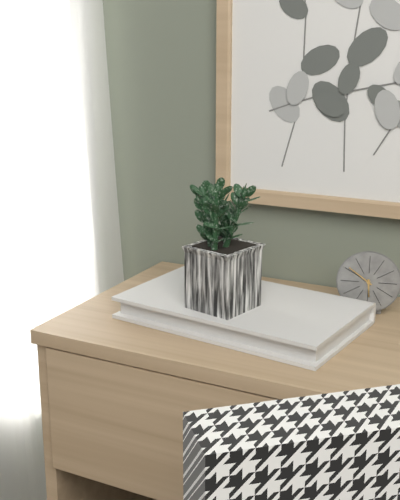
5,51
